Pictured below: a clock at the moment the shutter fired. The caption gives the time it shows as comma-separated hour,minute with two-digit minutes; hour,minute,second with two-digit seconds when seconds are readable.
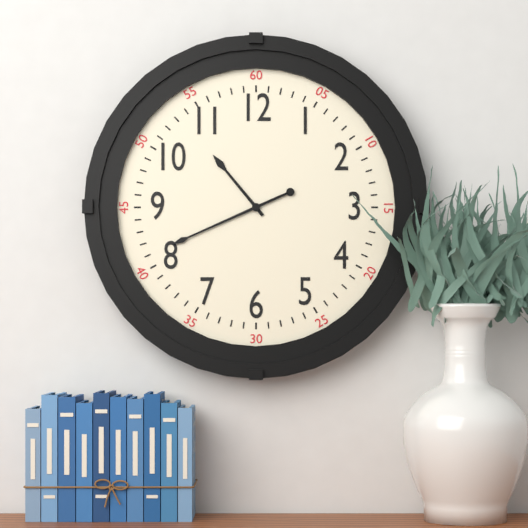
10,41
